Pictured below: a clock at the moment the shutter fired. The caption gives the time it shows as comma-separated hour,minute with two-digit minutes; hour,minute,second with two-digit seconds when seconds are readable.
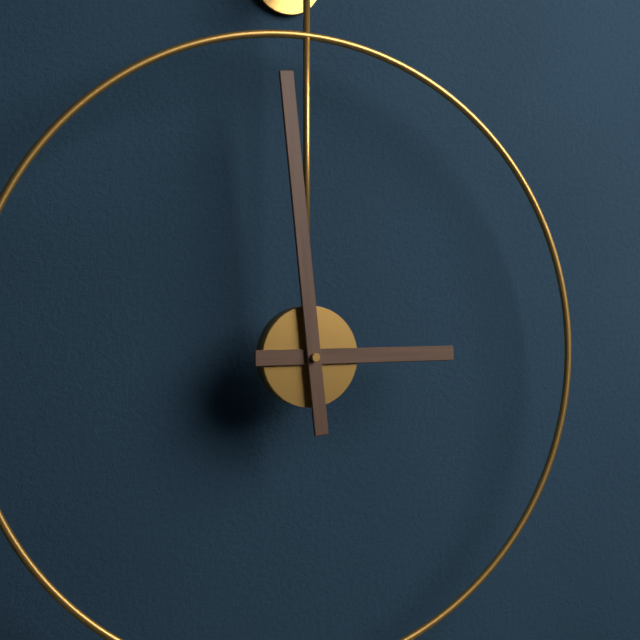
2,59
